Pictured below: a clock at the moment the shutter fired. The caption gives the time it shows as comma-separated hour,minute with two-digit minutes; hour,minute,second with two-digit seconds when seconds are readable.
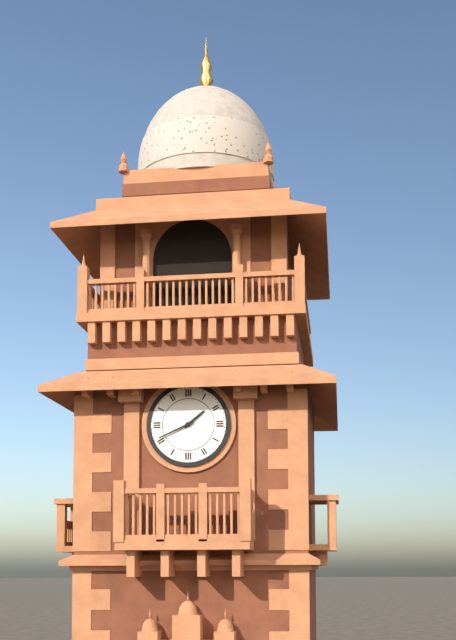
1,41
